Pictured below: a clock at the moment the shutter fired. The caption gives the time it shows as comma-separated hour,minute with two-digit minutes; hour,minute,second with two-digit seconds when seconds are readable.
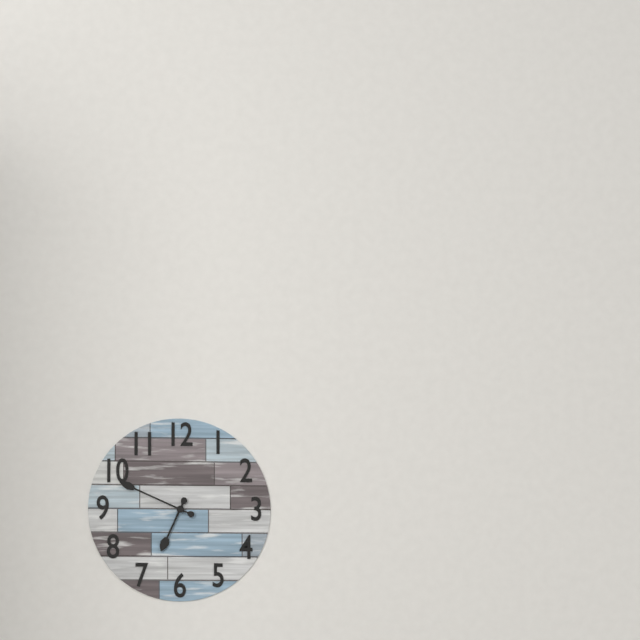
6,49
